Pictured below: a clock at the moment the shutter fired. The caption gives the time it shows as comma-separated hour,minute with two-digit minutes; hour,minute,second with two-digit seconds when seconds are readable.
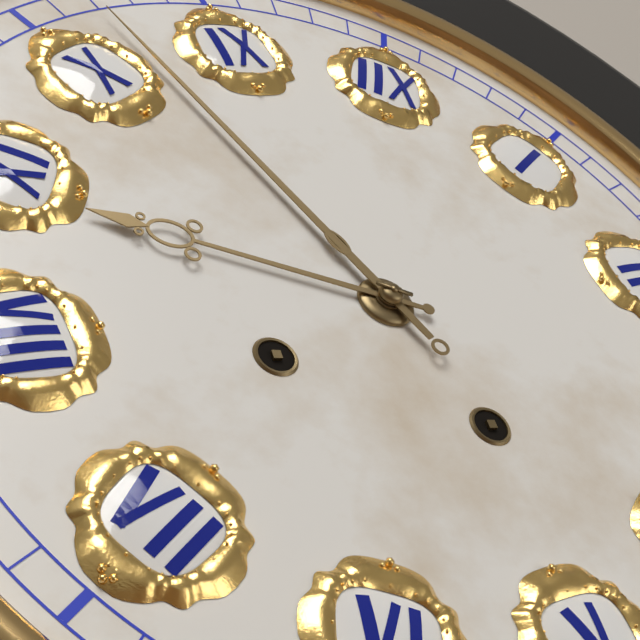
8,52
